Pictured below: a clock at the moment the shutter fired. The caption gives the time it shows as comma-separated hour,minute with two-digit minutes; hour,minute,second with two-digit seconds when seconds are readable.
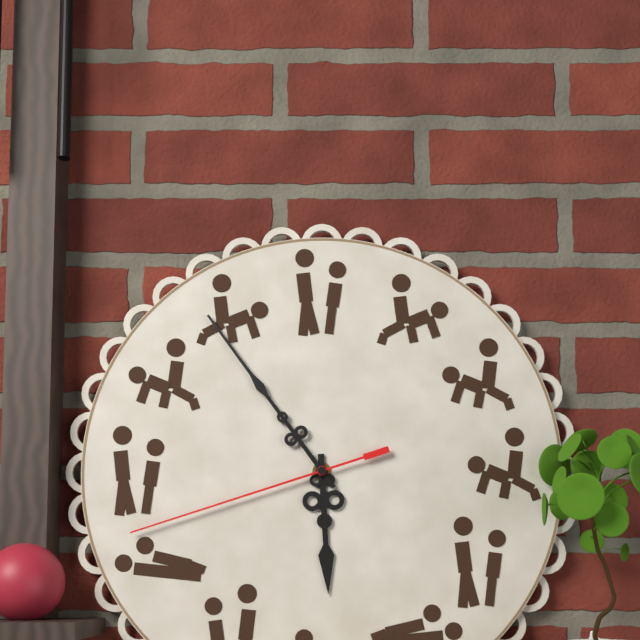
5,54,42
